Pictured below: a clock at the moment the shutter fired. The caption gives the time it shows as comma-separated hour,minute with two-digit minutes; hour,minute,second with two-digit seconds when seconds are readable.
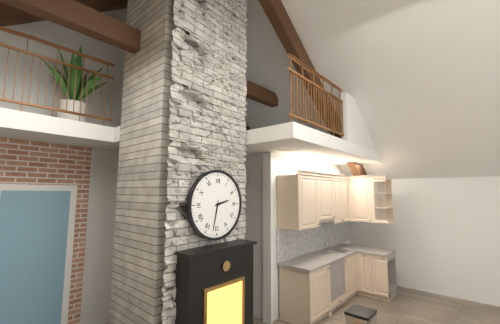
2,32
